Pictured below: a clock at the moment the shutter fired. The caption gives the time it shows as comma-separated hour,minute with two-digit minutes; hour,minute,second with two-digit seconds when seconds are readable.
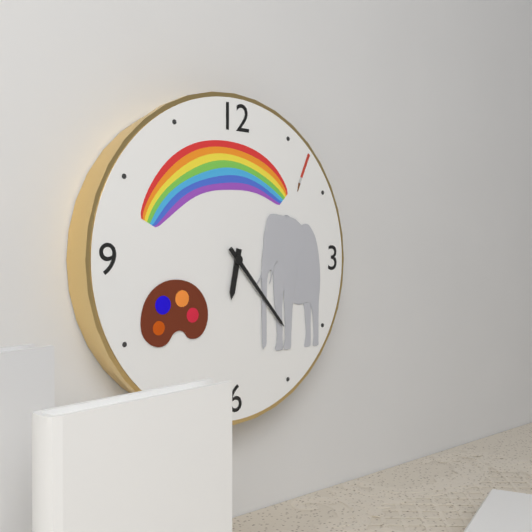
6,23
